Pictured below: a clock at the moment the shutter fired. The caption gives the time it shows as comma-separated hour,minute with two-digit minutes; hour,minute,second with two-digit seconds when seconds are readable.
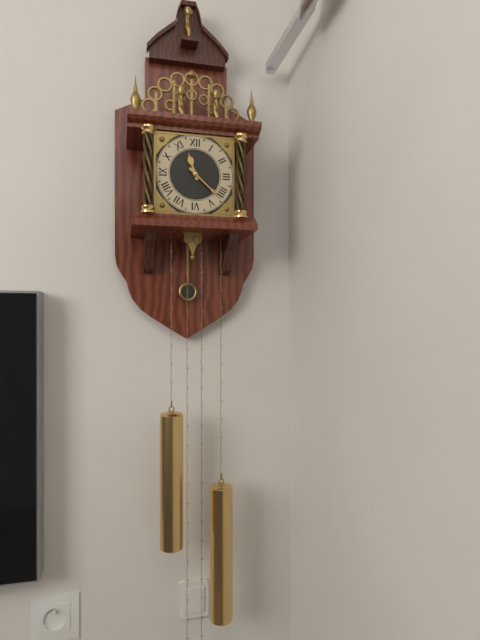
11,22
